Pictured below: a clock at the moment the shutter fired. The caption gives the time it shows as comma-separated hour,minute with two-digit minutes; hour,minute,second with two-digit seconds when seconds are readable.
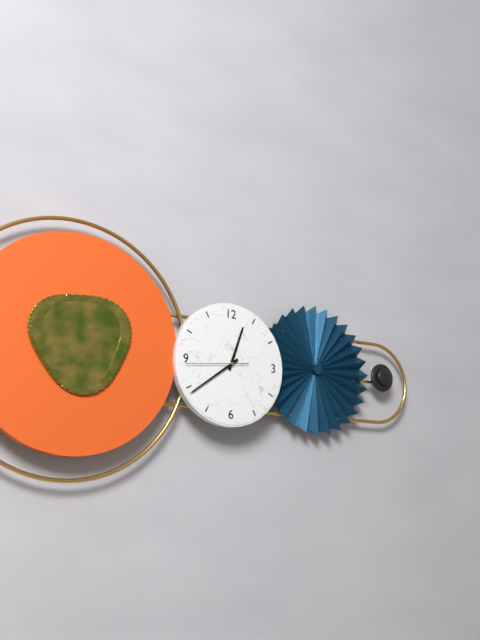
12,39,44
